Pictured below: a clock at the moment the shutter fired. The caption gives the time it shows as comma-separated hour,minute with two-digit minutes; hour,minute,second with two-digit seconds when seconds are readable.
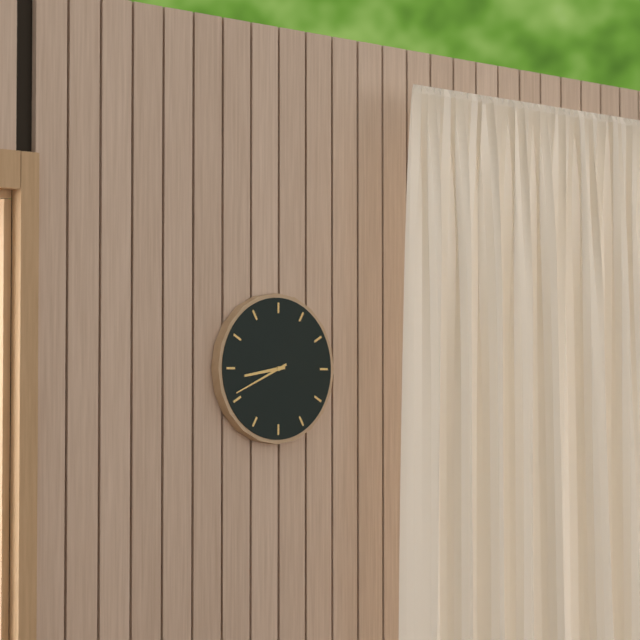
8,41
